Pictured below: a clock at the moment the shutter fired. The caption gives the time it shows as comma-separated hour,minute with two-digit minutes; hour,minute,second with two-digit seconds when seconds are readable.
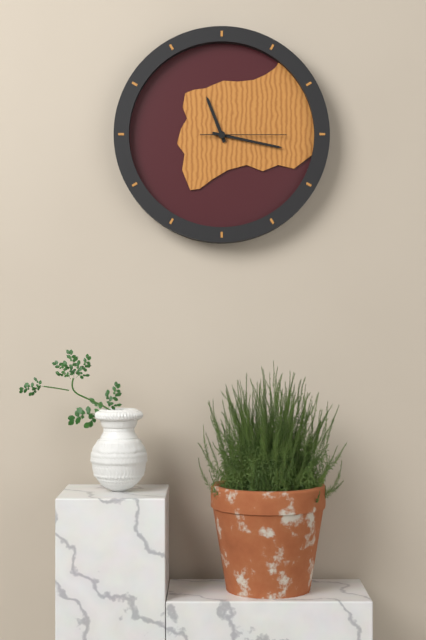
11,17,15
